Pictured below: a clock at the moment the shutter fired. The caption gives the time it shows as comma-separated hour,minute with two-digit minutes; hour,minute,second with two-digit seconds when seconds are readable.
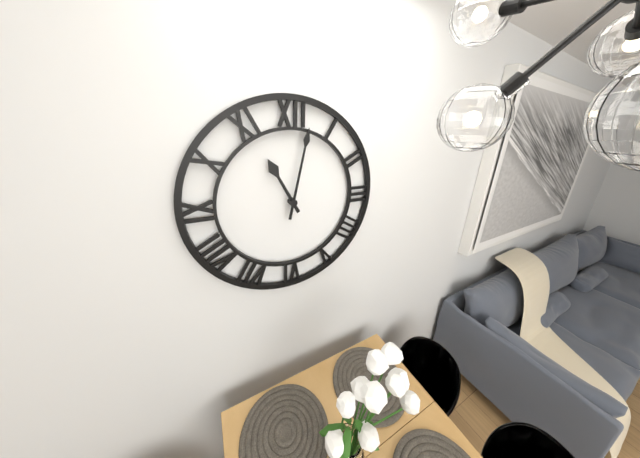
11,02
